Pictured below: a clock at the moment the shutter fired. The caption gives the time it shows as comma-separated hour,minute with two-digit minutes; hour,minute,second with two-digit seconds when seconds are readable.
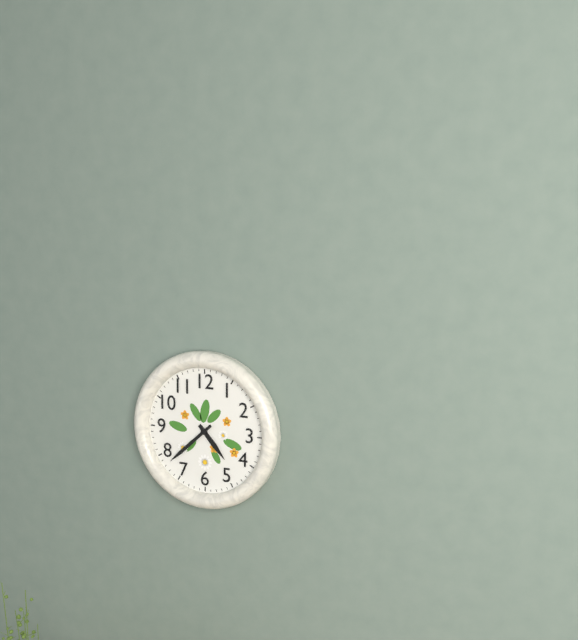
4,38
